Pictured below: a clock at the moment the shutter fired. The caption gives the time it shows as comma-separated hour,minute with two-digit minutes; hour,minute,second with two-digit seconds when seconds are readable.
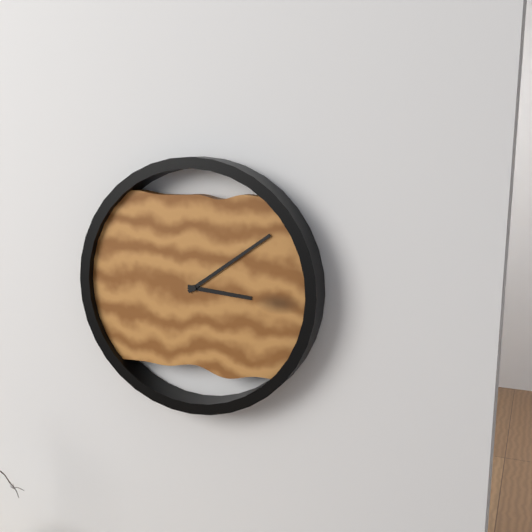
3,09
